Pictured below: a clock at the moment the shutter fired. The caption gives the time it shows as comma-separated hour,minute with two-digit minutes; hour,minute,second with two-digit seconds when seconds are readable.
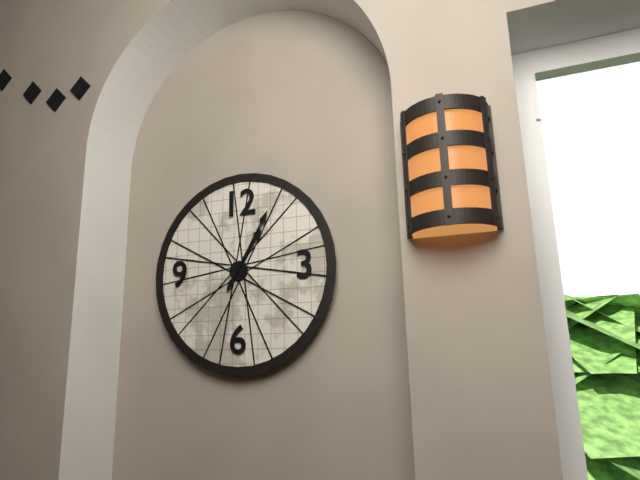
1,05
